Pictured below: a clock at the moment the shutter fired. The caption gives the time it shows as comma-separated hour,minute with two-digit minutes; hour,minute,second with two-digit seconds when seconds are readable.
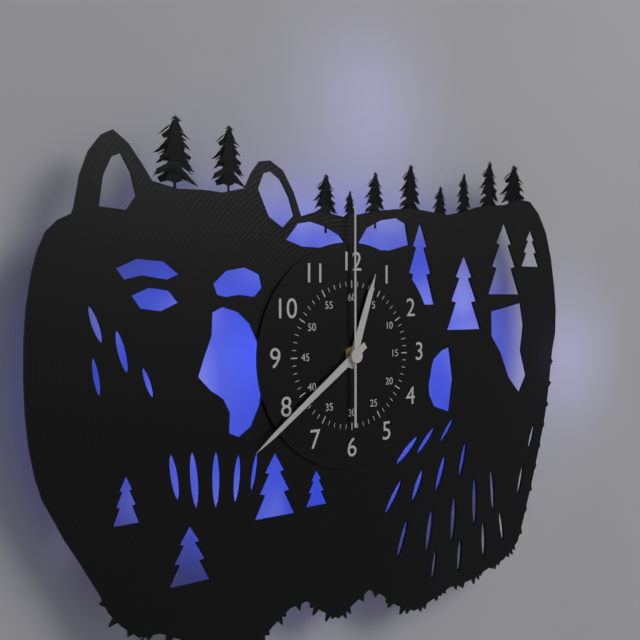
12,39,00
